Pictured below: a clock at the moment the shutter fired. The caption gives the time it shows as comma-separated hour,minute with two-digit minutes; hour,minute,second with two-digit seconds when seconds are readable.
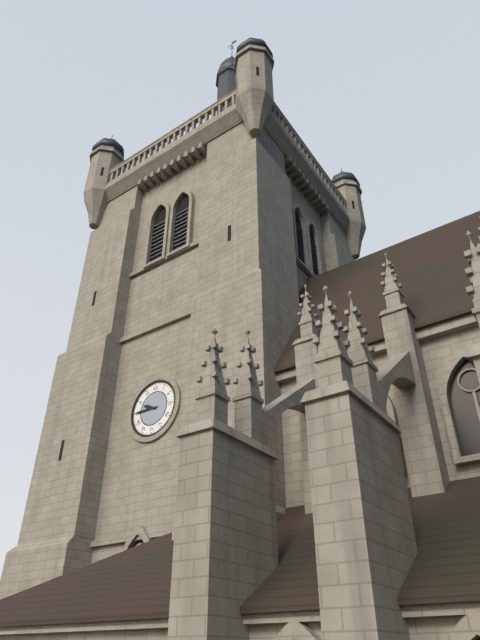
9,45
